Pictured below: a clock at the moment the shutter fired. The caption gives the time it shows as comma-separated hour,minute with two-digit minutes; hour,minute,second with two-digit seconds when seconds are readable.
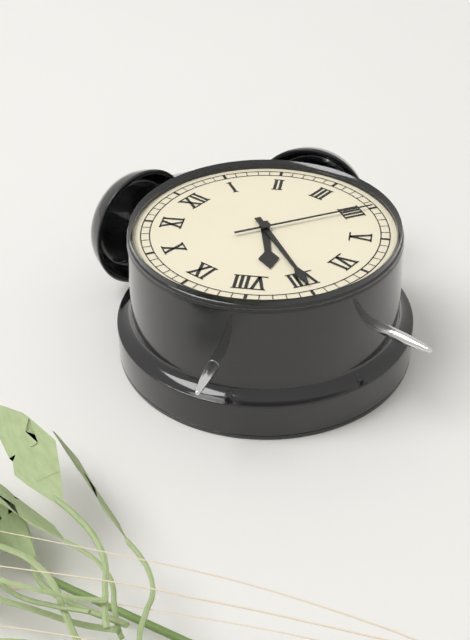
7,35,20
